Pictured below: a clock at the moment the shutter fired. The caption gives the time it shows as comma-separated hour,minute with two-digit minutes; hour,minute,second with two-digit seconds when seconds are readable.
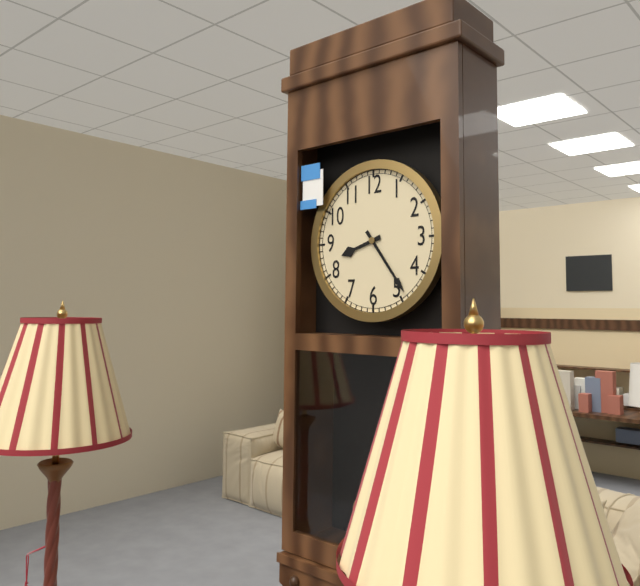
8,24
